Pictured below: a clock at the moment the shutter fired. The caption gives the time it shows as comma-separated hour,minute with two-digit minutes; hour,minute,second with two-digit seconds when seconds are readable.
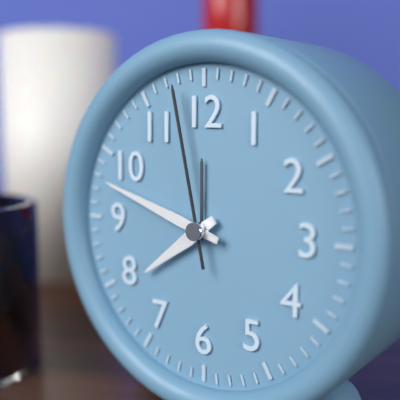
7,48,58
